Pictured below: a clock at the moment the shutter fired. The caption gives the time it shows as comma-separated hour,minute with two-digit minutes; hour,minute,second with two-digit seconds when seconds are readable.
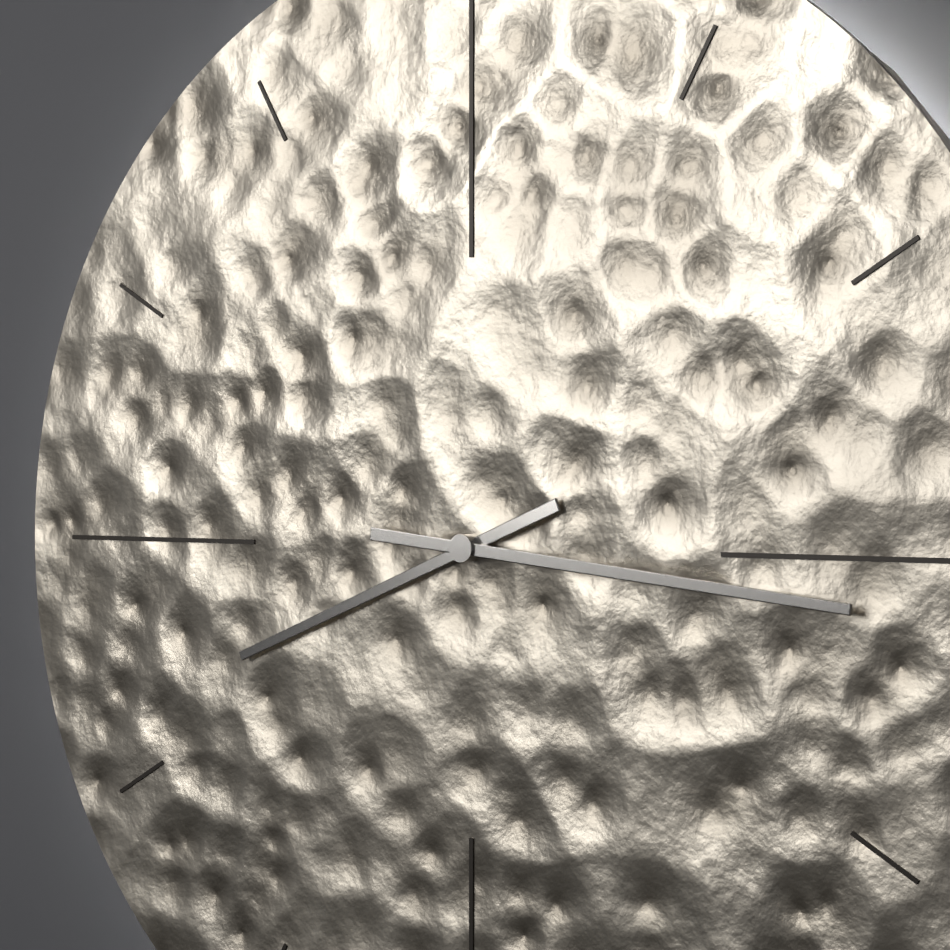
8,16
